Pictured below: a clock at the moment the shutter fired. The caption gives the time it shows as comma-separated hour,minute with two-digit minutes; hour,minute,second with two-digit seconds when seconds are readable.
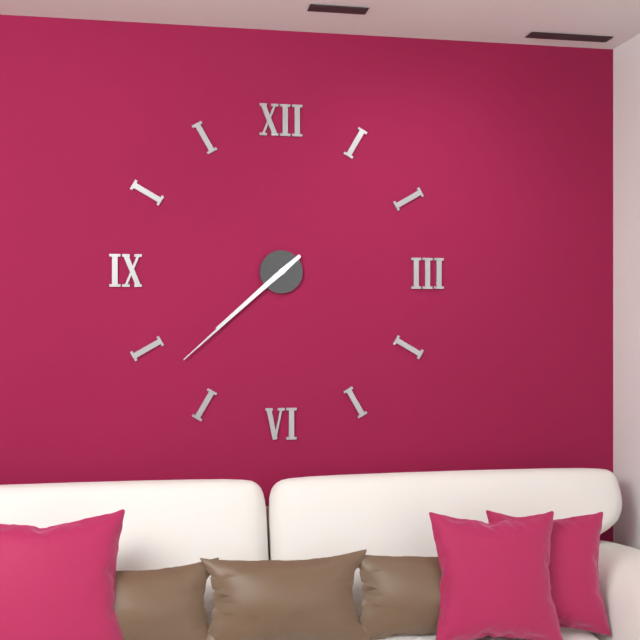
7,38
